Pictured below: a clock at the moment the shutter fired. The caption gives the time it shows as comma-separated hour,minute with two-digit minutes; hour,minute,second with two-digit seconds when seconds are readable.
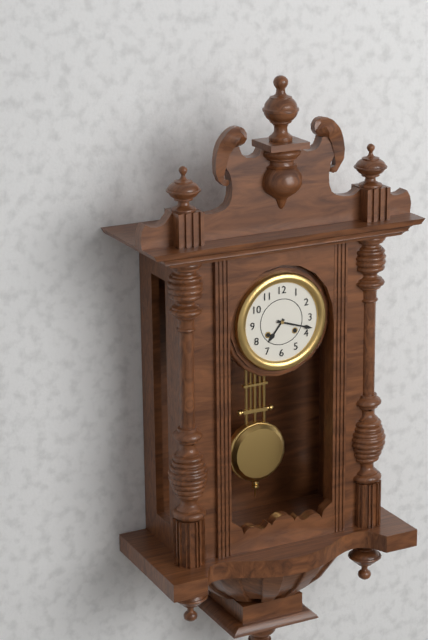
7,18
